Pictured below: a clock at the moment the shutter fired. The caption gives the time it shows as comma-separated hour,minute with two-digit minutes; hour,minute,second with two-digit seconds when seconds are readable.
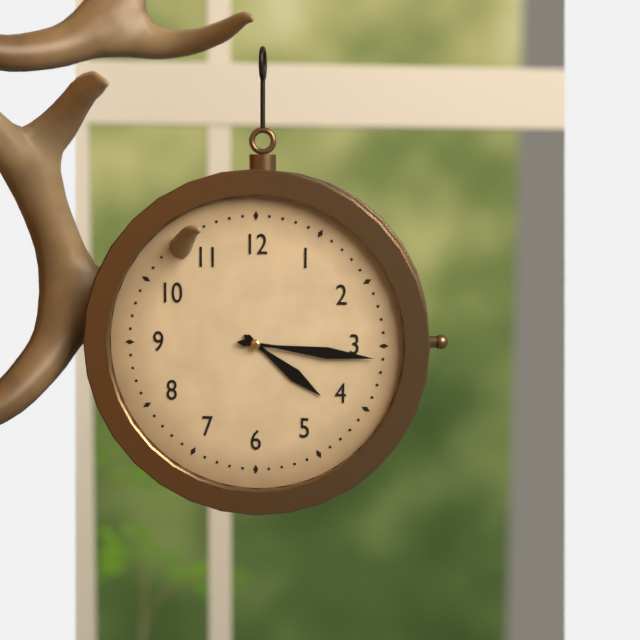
4,16
